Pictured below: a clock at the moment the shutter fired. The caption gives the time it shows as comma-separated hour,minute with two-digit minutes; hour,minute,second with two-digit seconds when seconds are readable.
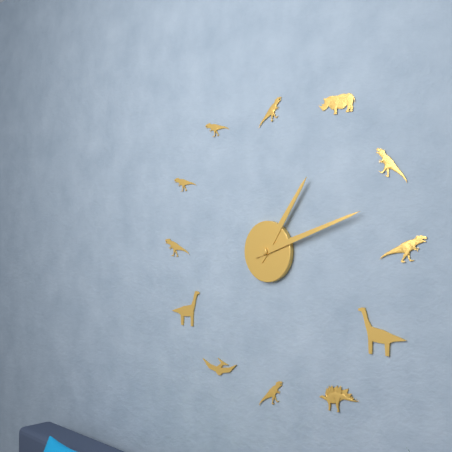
1,12
